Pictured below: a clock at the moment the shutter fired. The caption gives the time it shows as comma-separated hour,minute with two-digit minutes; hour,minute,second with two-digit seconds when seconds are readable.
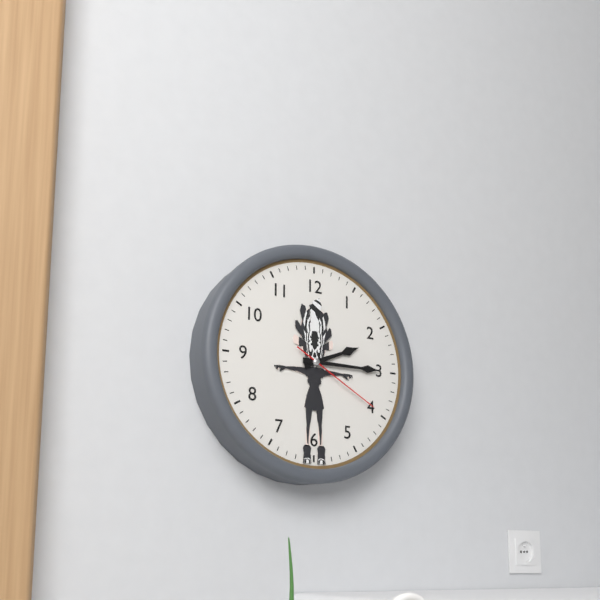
2,15,20
